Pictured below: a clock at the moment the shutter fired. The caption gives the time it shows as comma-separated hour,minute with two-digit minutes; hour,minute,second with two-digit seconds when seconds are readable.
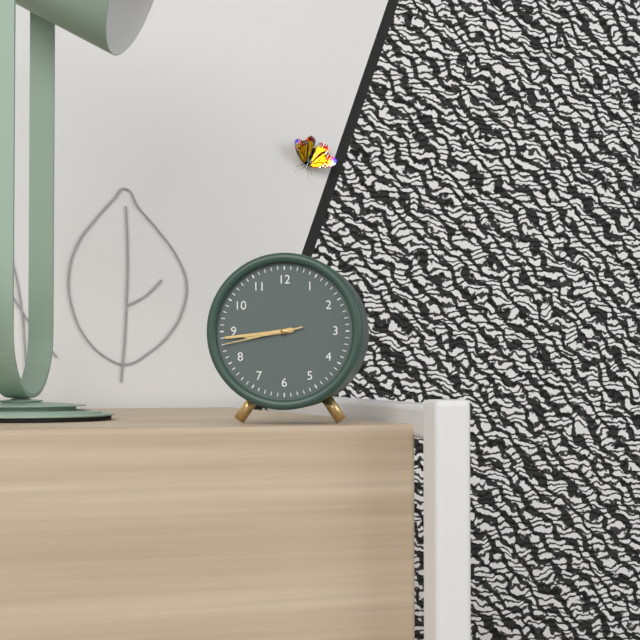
8,44,43
